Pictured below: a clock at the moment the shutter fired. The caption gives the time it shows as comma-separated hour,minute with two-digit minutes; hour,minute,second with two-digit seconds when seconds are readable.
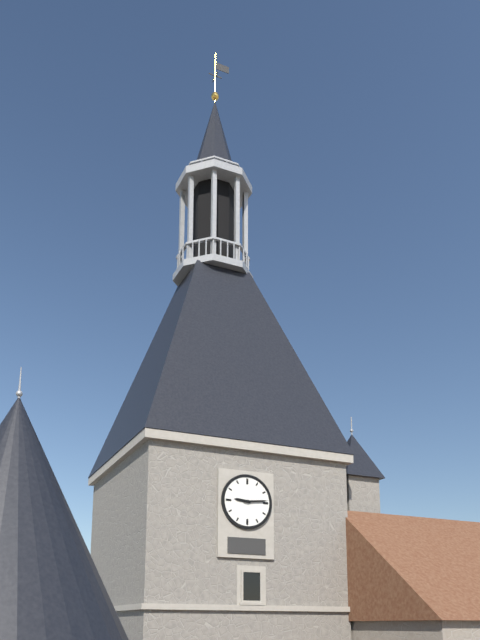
9,14
